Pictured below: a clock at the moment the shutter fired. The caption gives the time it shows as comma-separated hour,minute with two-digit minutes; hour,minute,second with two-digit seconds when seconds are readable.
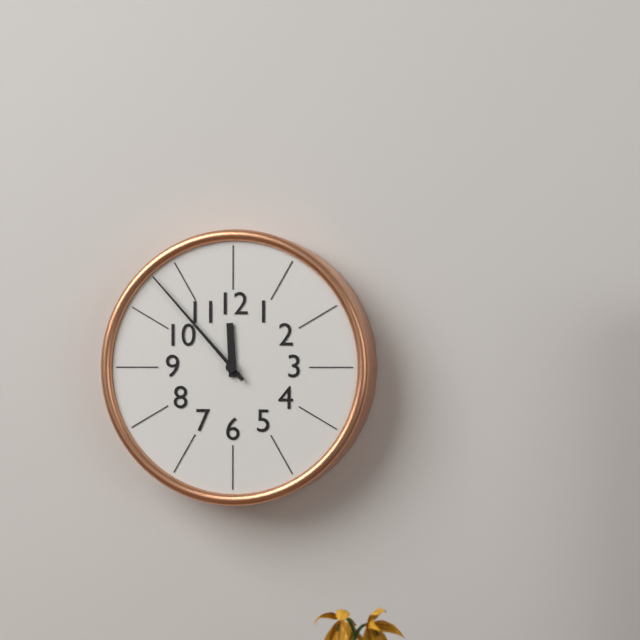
11,53
